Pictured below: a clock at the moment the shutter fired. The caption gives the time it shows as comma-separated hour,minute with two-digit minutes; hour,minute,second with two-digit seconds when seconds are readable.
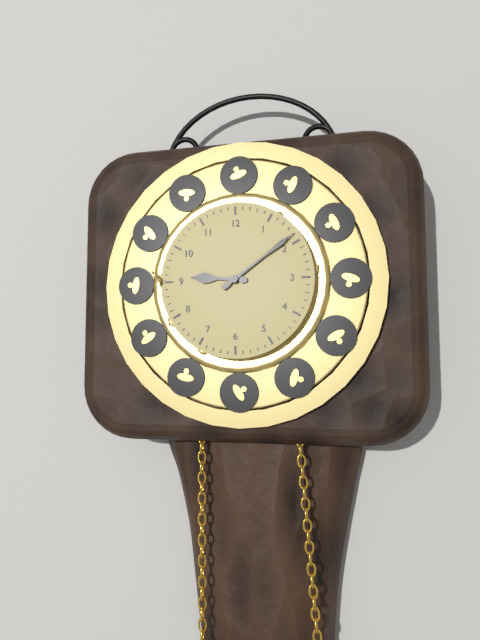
9,09
